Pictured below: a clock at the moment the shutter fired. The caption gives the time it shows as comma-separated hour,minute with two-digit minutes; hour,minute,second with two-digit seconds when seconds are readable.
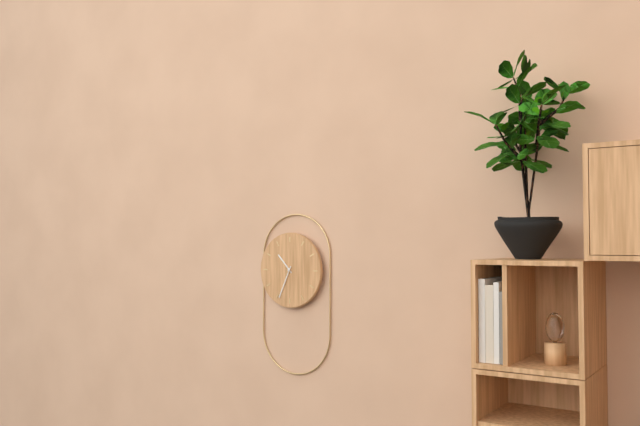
10,34
